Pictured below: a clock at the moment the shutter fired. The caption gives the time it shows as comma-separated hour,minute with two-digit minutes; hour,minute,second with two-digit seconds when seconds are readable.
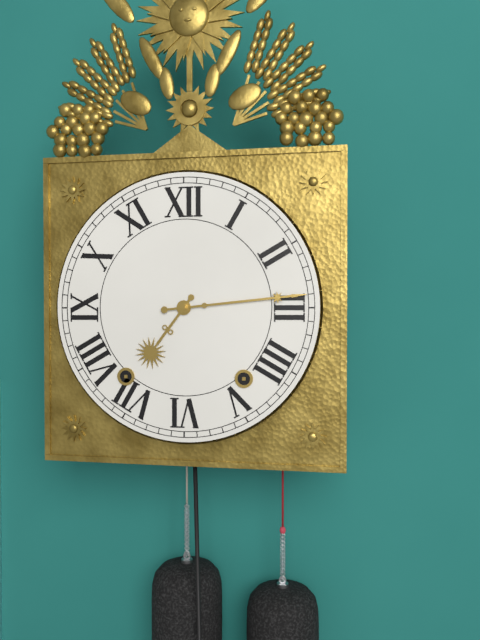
7,14
